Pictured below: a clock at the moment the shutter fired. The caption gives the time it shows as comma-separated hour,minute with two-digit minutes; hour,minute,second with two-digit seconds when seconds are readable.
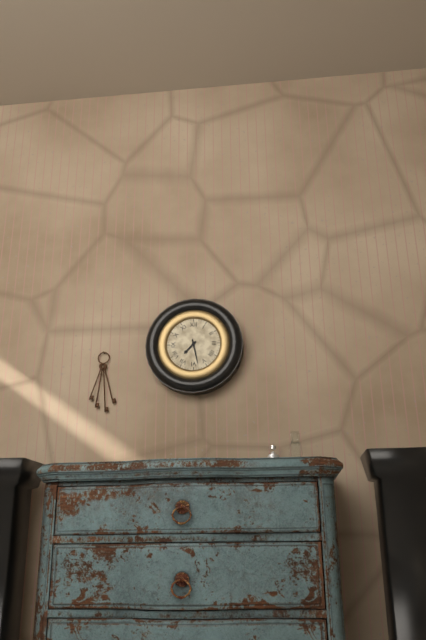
7,28
